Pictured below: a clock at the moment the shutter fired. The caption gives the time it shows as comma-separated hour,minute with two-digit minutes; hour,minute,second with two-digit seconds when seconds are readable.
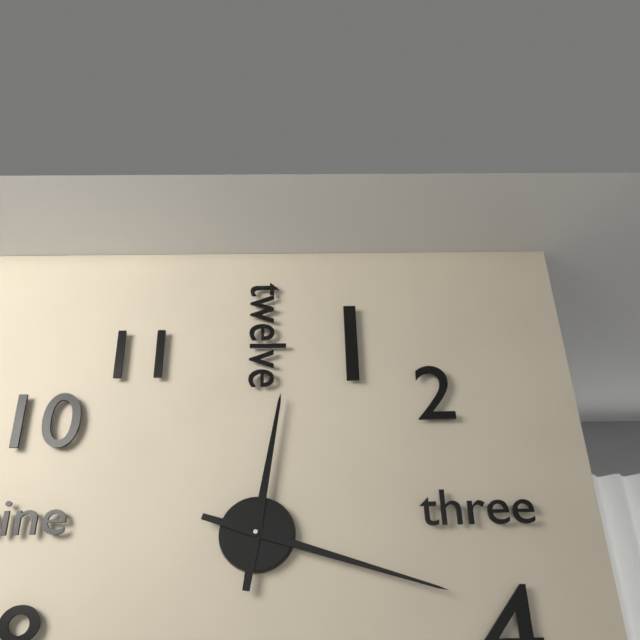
12,18
